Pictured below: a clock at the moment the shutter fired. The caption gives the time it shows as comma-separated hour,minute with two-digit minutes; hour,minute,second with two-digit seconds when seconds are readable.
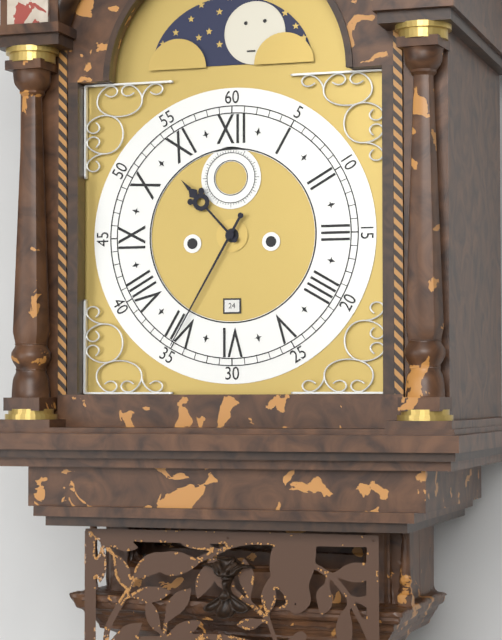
10,35
